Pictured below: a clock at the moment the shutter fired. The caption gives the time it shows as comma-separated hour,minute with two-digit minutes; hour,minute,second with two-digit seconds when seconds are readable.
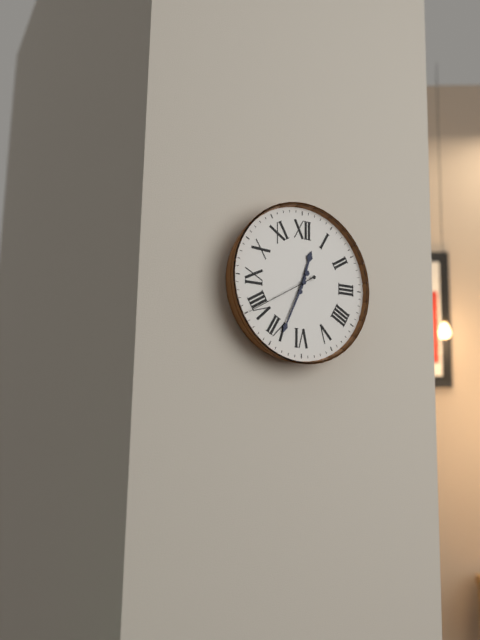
12,34,40
